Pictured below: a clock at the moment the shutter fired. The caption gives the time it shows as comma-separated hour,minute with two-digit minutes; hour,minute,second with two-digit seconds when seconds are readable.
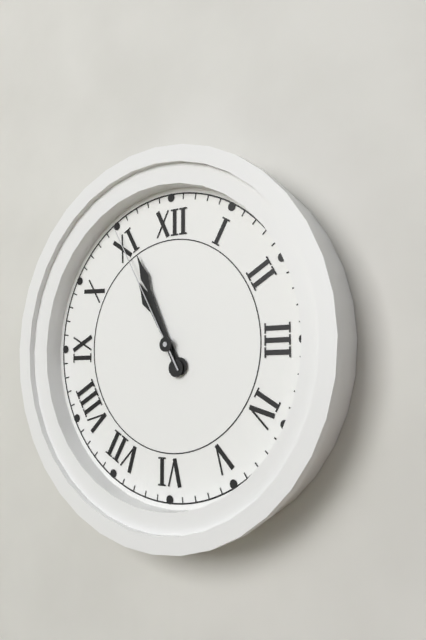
10,56,55
